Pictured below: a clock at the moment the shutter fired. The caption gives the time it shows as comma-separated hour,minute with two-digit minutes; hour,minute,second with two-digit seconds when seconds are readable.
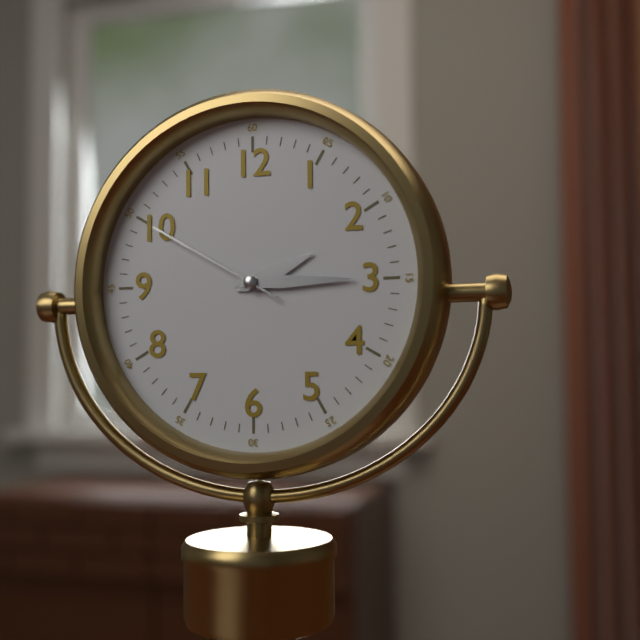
2,15,50
